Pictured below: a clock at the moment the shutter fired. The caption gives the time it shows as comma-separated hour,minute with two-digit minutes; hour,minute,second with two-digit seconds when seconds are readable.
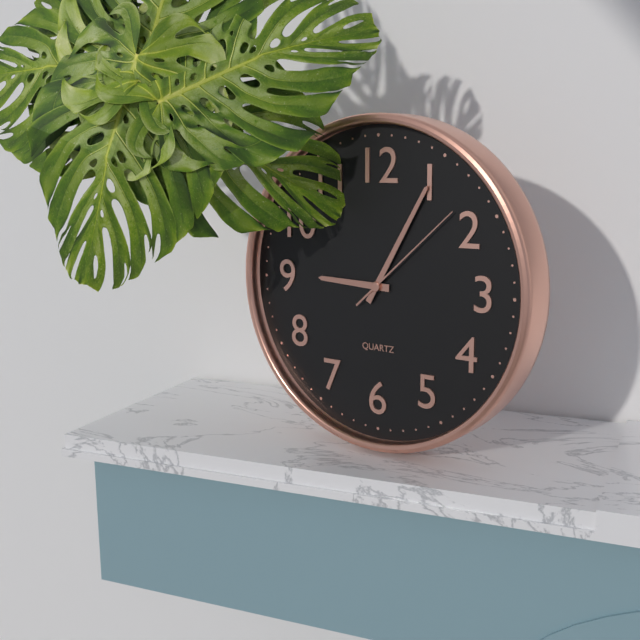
9,05,08
